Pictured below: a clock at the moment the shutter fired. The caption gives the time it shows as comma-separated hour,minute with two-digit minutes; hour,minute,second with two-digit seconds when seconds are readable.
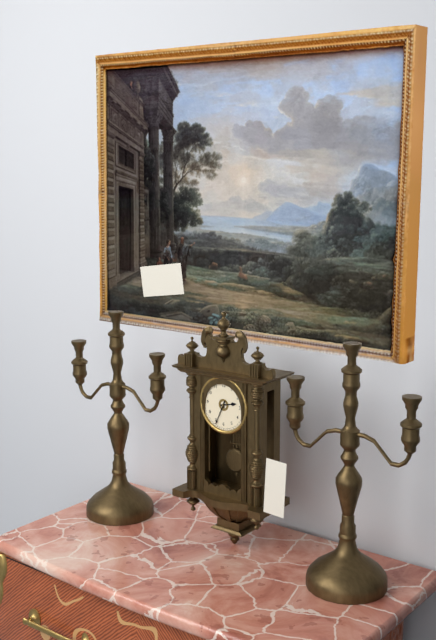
2,34
